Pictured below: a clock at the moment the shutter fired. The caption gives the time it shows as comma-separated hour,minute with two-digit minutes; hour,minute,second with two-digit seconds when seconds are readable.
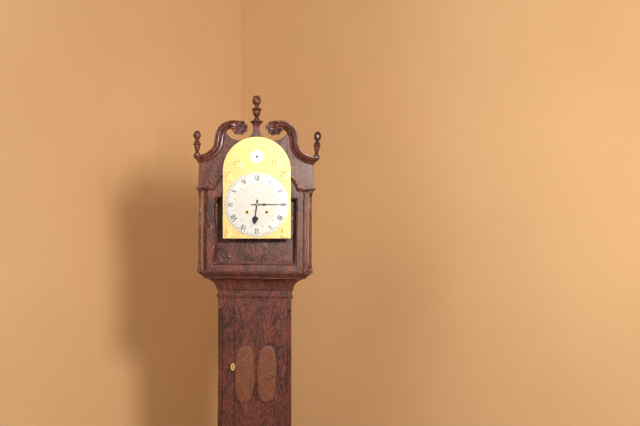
6,15
